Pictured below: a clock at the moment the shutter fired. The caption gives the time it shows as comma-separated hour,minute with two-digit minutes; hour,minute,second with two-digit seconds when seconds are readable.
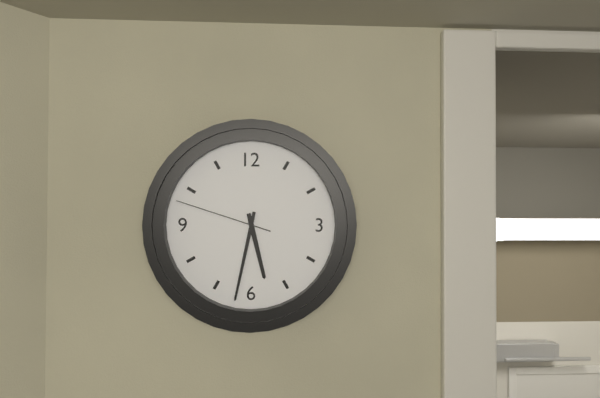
5,32,48
